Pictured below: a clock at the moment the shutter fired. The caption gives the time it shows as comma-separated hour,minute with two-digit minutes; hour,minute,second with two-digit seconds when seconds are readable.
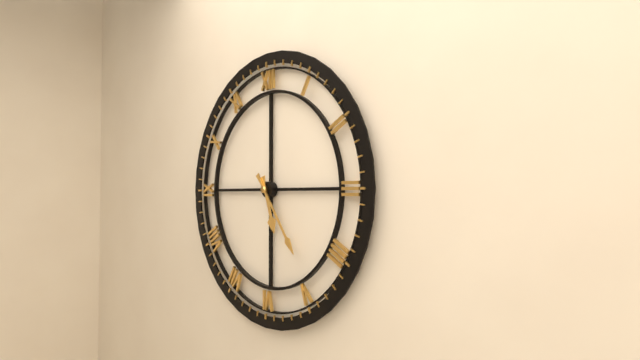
5,24
